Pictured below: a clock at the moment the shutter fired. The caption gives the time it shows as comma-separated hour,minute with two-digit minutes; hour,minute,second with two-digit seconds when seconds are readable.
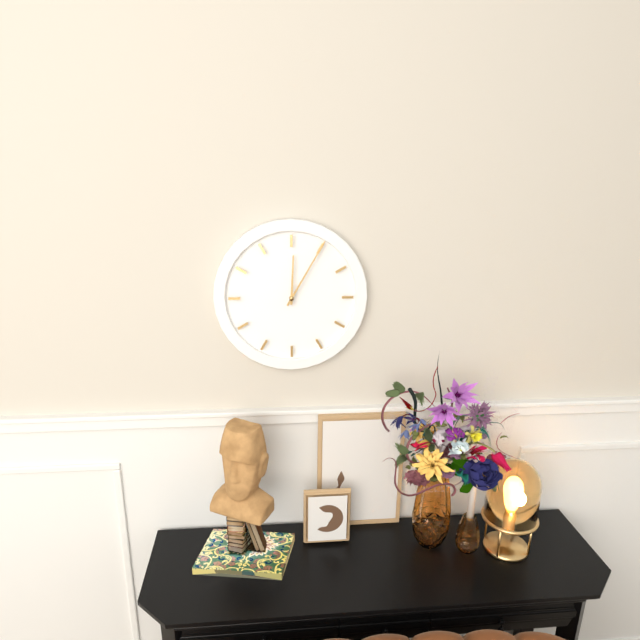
12,05
